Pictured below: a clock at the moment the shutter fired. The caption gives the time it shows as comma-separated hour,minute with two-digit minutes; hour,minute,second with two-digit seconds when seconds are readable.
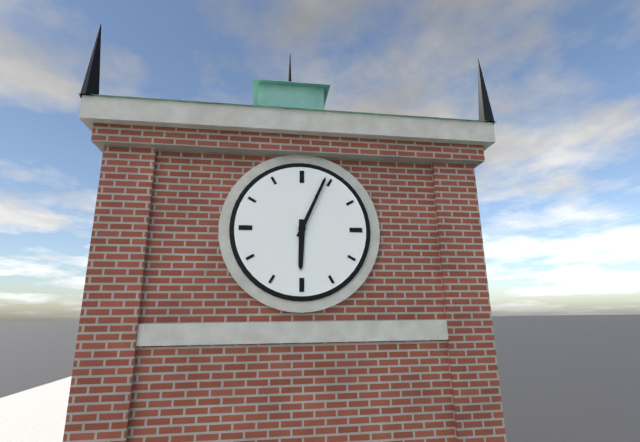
6,04
